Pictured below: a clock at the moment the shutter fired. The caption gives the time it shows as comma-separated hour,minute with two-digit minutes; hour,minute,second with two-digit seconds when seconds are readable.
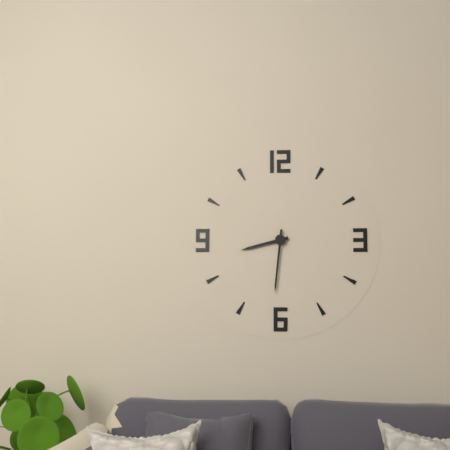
8,31
